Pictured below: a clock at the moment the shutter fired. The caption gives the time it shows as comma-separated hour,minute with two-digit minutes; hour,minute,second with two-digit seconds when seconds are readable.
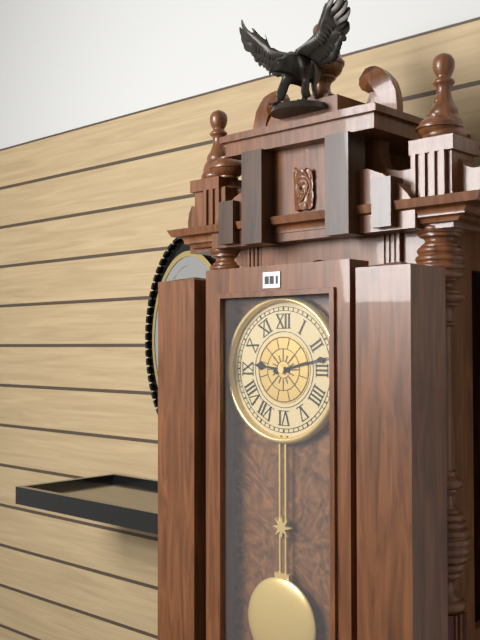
9,13
